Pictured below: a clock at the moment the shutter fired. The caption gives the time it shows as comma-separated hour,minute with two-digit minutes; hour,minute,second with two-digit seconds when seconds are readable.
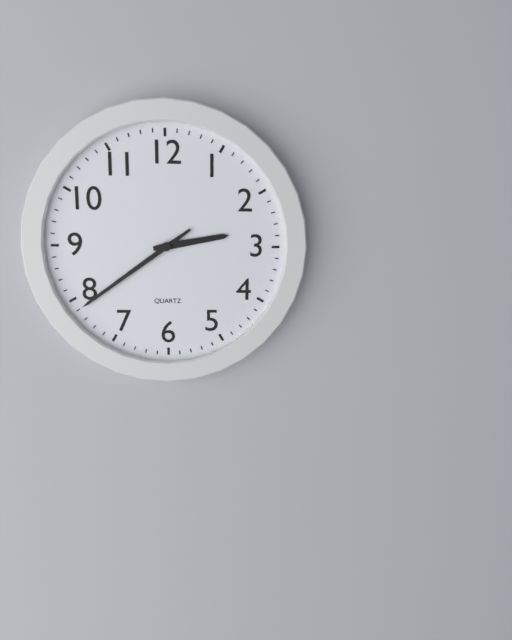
2,39
